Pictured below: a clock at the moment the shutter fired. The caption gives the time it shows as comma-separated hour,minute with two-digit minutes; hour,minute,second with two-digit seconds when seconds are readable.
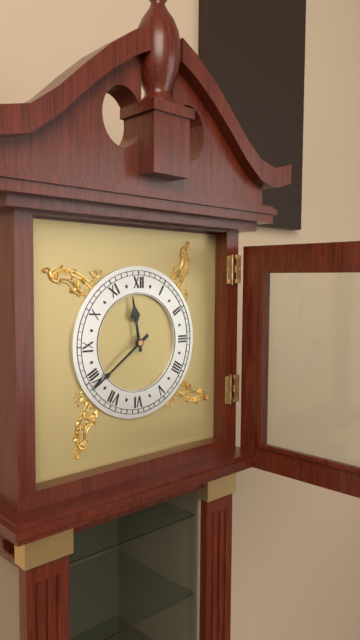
11,39
